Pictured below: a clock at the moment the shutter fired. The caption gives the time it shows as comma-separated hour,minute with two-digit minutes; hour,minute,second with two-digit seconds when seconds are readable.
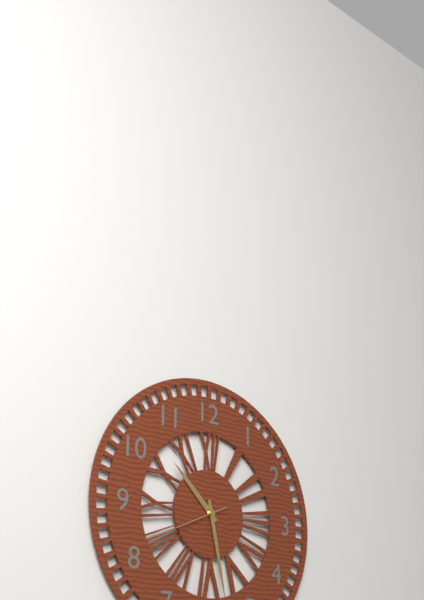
10,28,41
